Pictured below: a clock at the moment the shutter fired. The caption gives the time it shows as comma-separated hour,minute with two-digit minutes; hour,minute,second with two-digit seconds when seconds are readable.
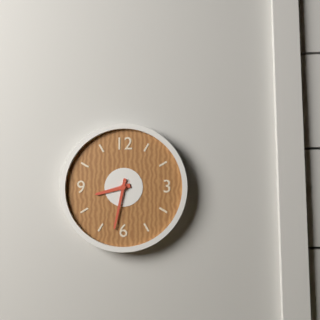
8,32
